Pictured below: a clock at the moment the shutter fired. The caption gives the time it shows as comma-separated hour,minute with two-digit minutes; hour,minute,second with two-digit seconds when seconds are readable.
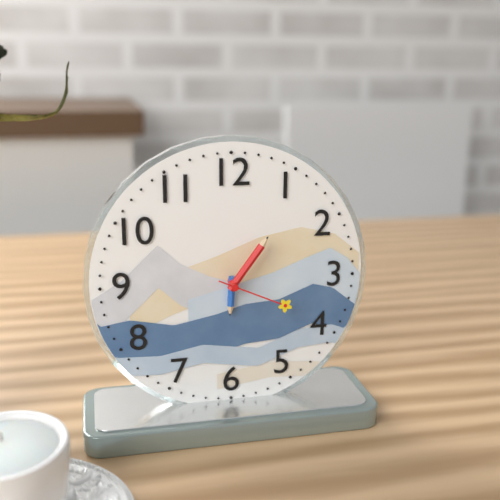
6,06,19
